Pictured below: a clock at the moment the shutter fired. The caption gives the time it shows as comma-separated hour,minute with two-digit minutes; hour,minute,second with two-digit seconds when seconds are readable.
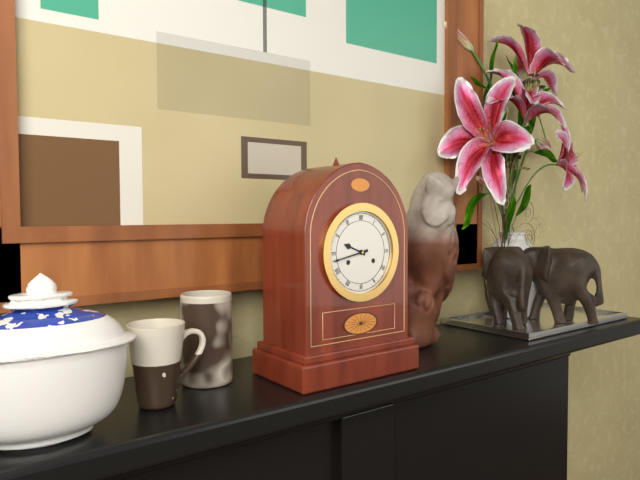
9,43
